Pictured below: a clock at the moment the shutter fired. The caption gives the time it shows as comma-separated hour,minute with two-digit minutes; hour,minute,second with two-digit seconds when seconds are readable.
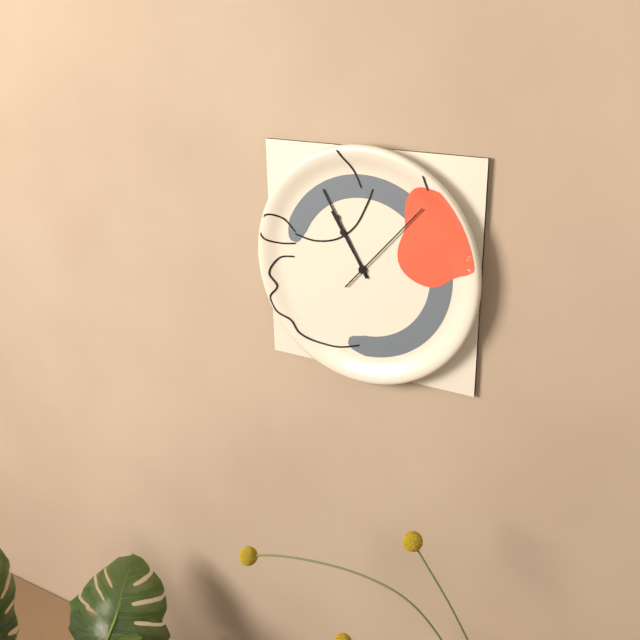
10,55,07
